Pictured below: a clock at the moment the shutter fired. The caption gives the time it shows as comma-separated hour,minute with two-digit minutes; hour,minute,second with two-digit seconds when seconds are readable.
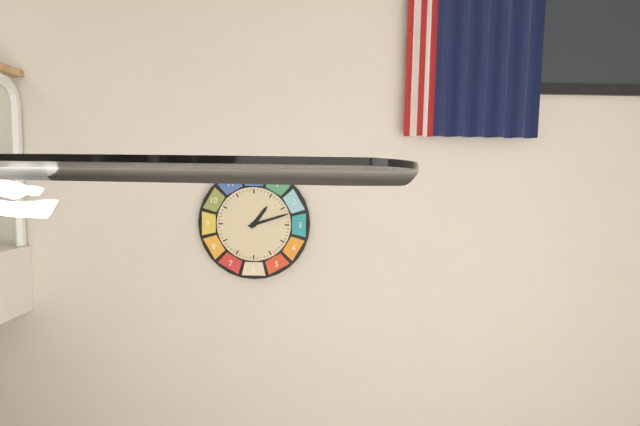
1,12
